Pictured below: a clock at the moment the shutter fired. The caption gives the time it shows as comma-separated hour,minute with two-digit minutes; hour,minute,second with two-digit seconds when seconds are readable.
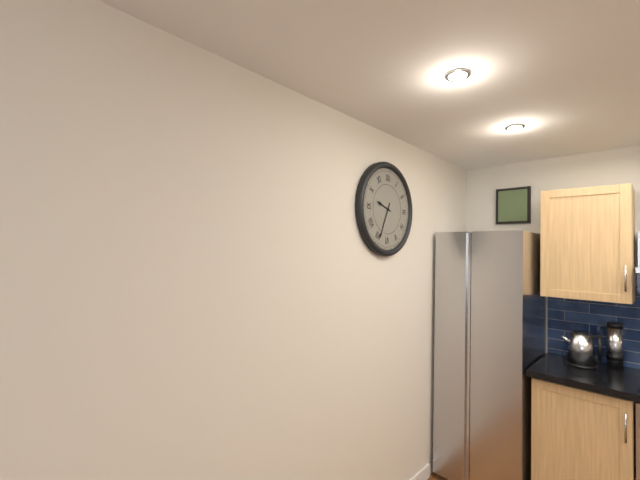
9,34
